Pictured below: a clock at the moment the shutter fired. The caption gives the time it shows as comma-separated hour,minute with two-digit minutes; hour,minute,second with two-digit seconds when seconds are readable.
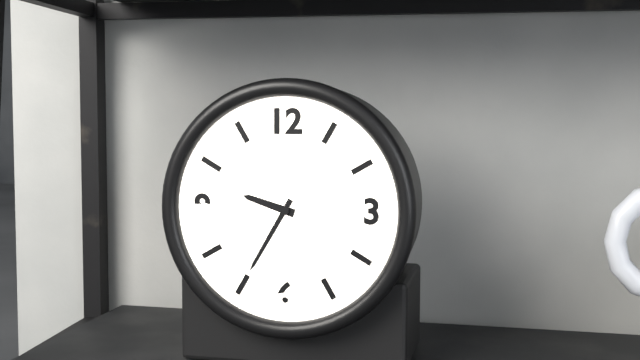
9,35
